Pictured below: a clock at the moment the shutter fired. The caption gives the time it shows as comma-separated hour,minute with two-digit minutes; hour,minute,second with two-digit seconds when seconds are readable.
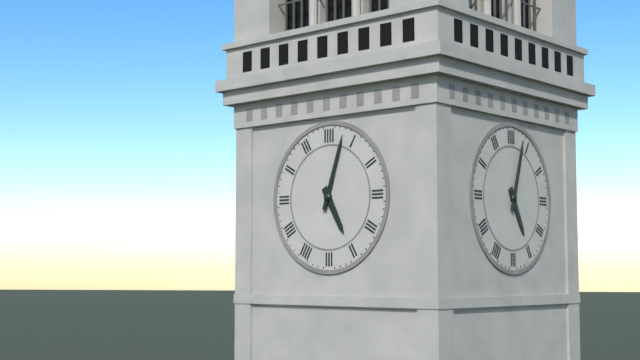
5,03
